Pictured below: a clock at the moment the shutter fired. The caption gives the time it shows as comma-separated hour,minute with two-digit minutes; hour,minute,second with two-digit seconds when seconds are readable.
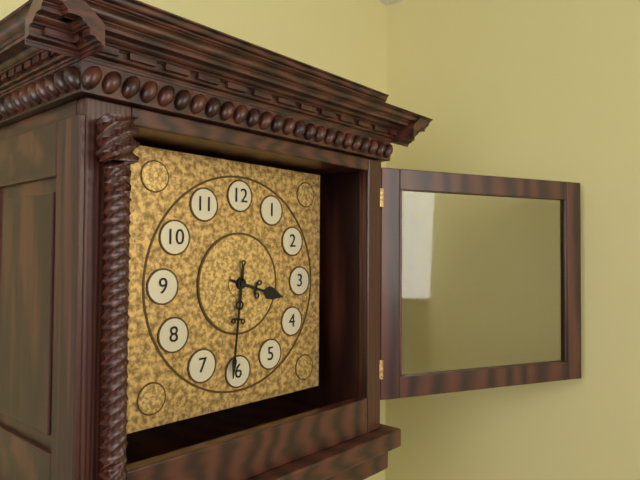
3,31
